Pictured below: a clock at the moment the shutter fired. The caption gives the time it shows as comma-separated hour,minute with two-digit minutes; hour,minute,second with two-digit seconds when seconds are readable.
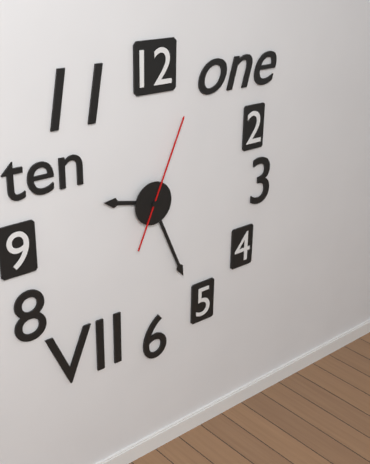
9,26,04
